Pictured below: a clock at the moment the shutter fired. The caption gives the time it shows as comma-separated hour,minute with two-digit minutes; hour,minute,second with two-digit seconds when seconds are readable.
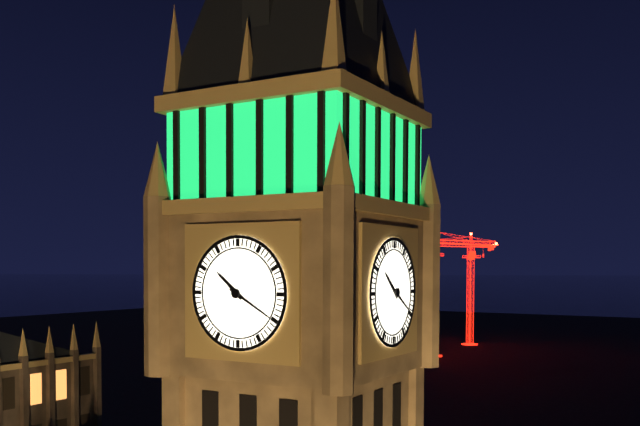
10,20
